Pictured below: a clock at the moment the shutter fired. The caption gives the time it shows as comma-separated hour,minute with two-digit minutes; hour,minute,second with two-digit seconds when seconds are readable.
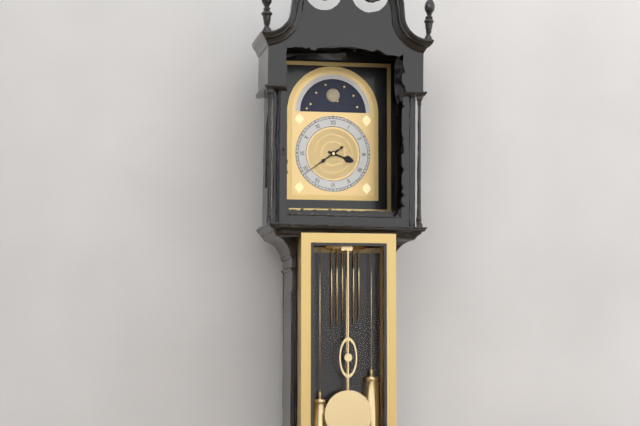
3,39
